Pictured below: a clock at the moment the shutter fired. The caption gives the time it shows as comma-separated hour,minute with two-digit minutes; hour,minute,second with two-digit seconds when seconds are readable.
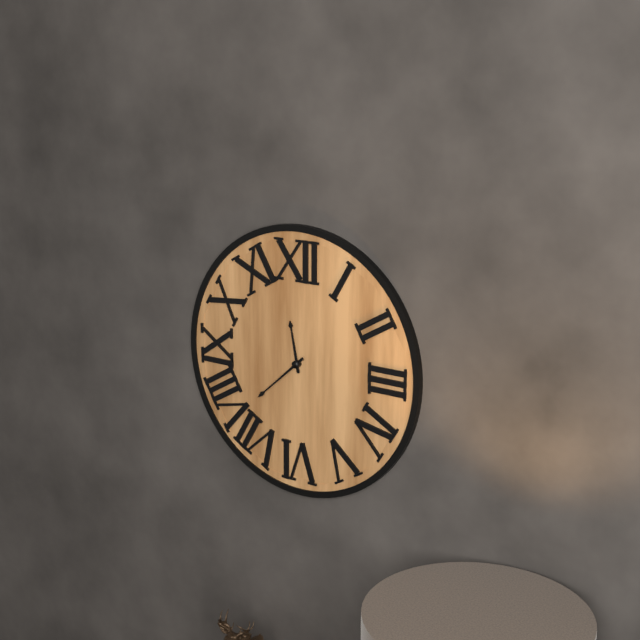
11,38
